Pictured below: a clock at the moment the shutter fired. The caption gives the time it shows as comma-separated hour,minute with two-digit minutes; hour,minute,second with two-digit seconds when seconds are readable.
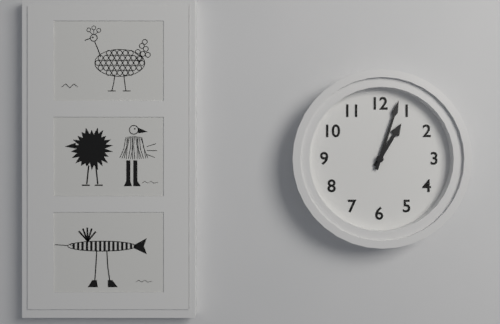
1,03
